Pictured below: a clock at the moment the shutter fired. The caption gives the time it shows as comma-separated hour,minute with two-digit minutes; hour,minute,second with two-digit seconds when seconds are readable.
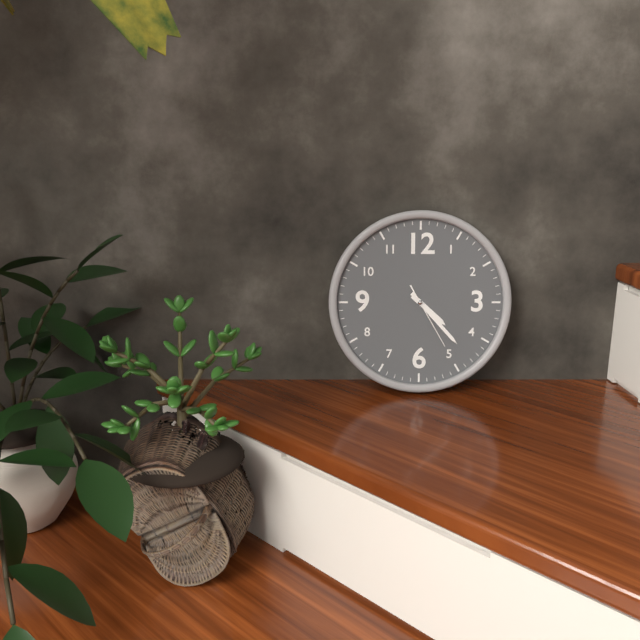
4,23,25
